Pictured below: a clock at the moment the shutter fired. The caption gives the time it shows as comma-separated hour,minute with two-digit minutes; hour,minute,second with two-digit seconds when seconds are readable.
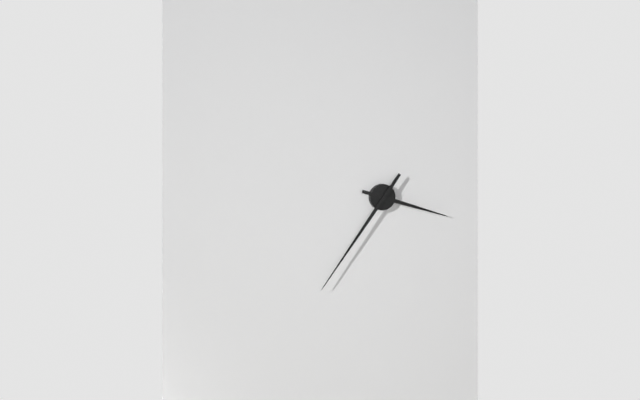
3,36
